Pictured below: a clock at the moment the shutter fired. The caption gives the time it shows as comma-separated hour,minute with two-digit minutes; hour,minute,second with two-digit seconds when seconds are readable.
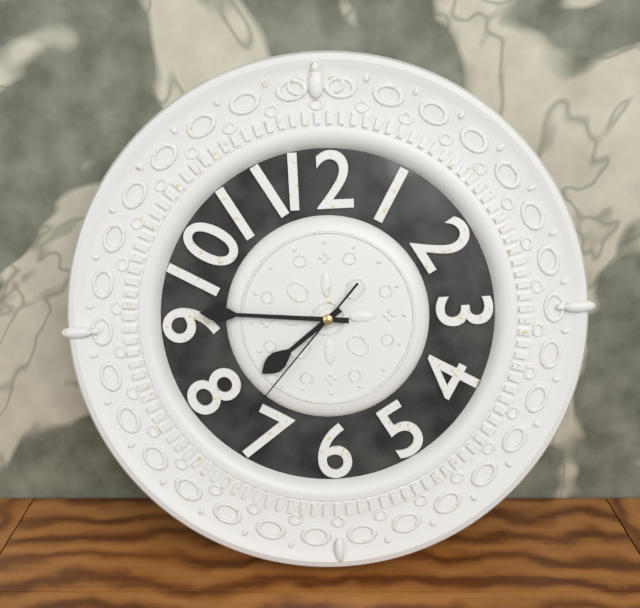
7,46,37
